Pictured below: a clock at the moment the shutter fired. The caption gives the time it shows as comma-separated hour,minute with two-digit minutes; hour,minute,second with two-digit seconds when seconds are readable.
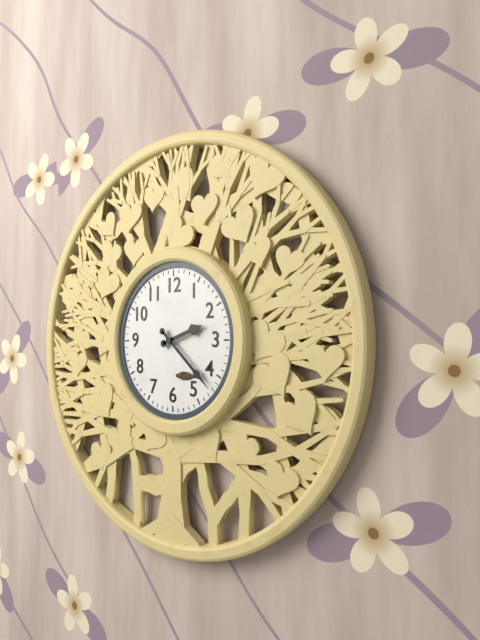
2,22
